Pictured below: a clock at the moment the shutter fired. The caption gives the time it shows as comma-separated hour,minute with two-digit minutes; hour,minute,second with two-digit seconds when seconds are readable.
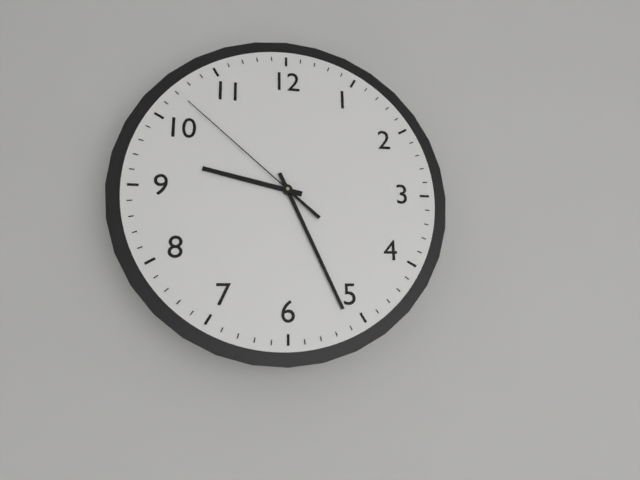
9,26,52
